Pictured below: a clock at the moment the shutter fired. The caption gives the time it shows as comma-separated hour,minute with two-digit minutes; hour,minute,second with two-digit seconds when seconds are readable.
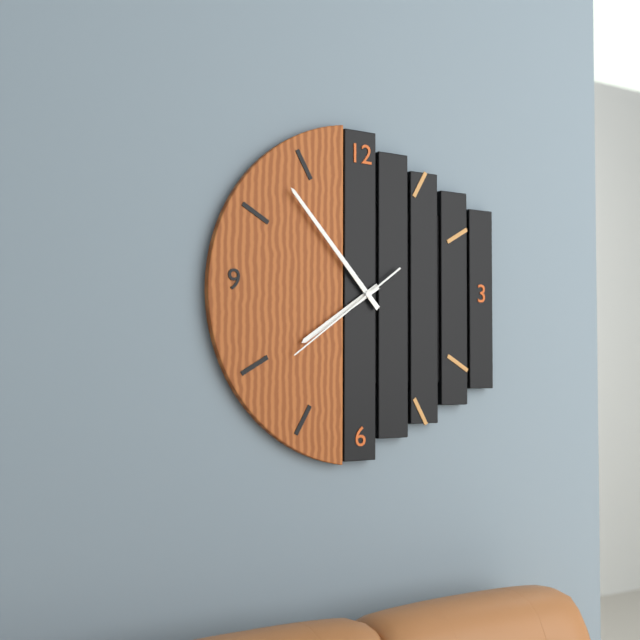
7,53,39
